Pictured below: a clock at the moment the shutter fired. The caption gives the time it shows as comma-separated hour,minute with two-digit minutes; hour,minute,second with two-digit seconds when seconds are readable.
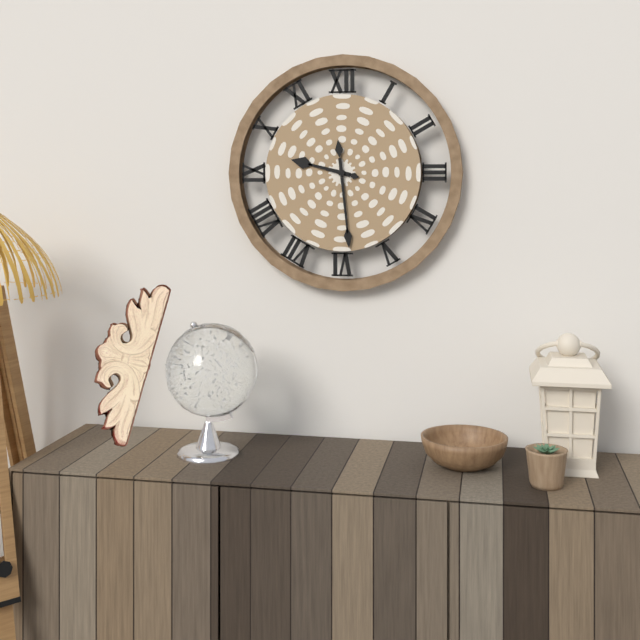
9,29
